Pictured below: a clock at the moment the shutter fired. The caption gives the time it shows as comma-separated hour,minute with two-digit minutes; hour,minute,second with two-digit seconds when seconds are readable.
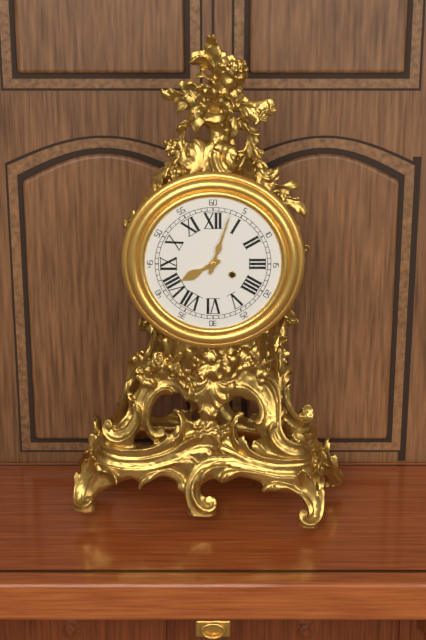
8,03
